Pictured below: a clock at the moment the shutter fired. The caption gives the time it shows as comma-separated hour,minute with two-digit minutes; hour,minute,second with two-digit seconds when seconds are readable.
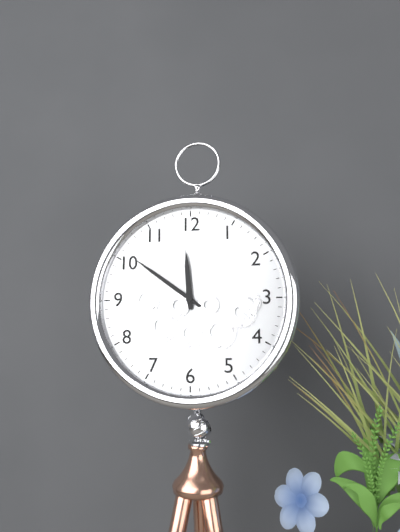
11,51
